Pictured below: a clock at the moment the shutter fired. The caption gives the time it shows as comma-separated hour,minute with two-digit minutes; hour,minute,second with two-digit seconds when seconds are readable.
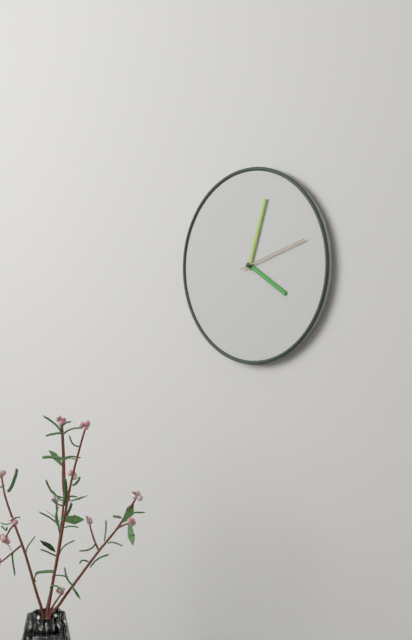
4,03,12
